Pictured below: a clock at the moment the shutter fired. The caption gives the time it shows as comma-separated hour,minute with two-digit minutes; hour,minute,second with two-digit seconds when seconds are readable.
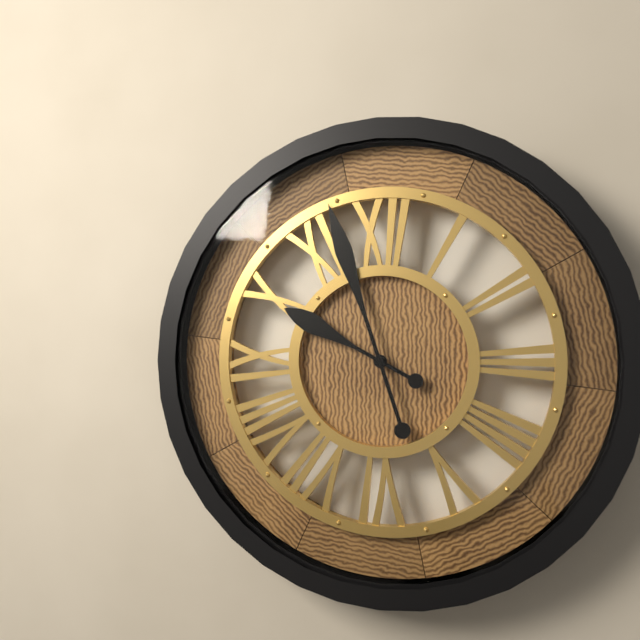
9,57
